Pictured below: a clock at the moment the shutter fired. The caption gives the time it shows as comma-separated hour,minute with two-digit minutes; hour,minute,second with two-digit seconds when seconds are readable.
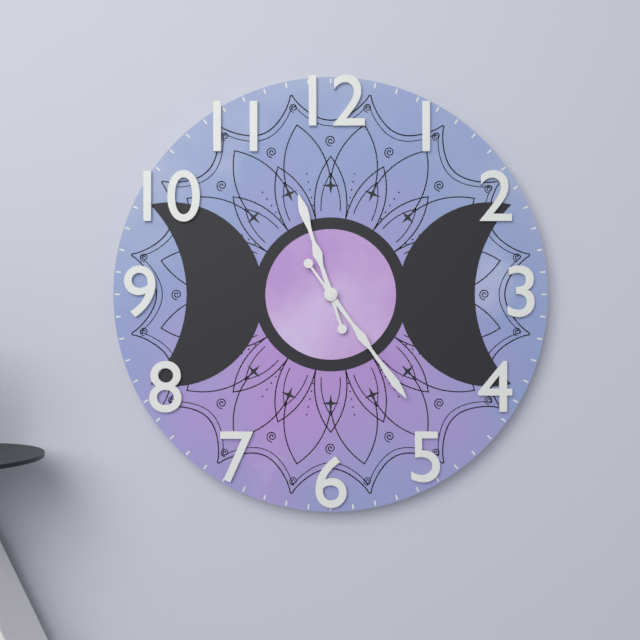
11,24
